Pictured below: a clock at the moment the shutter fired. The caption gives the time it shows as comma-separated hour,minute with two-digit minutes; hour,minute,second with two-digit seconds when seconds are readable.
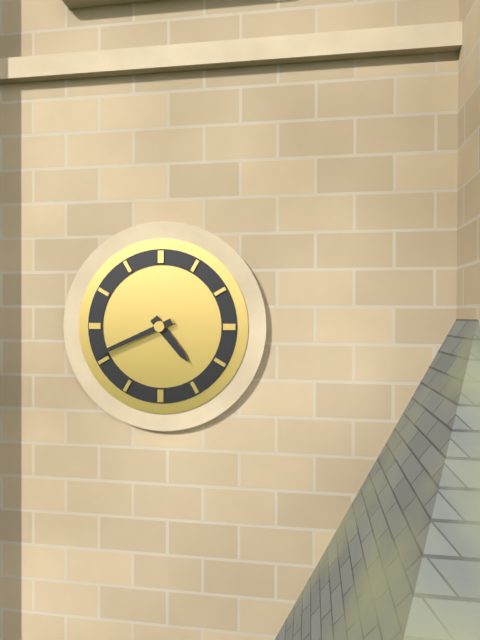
4,41
